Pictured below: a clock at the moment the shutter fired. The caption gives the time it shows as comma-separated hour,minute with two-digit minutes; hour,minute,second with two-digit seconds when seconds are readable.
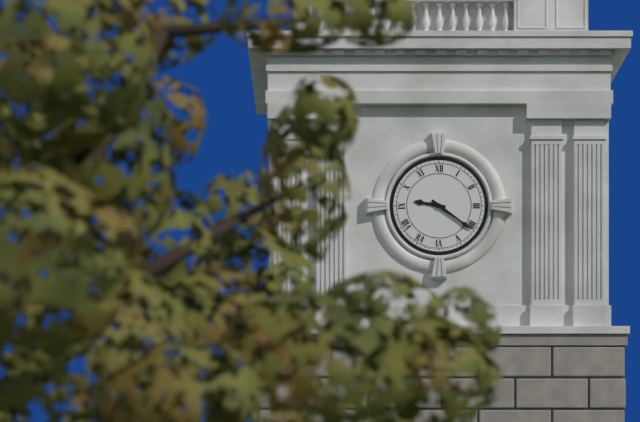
9,21
